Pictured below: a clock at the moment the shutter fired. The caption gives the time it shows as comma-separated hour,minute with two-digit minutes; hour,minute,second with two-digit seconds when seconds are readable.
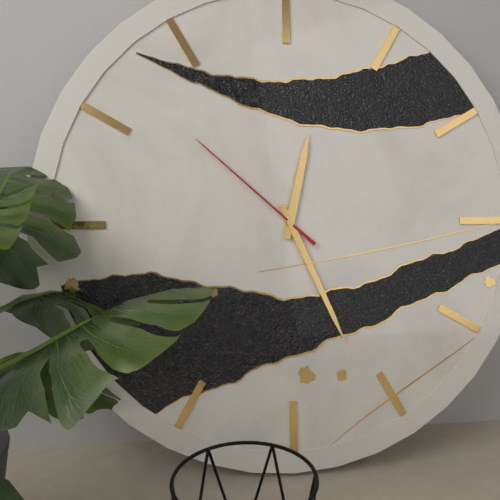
12,26,52
